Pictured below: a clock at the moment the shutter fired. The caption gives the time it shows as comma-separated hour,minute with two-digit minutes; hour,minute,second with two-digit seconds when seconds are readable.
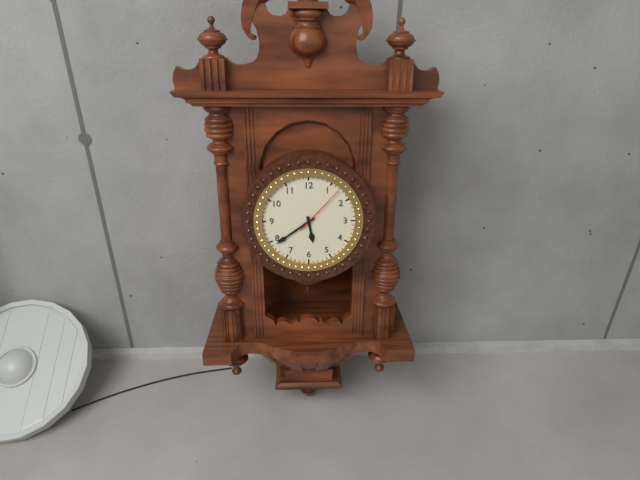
5,39,07
